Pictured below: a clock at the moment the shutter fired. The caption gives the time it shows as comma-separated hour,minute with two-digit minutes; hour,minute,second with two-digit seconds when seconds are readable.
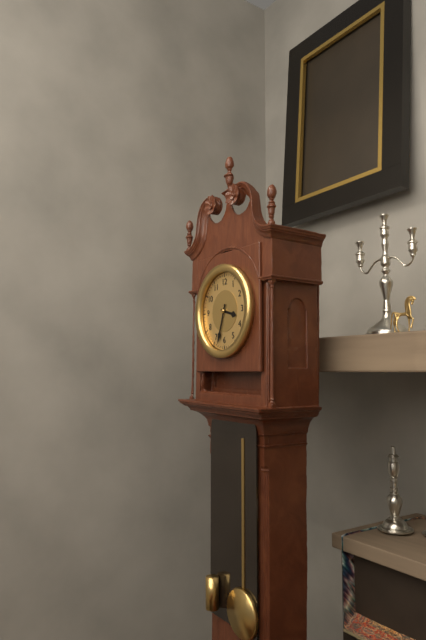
3,33
